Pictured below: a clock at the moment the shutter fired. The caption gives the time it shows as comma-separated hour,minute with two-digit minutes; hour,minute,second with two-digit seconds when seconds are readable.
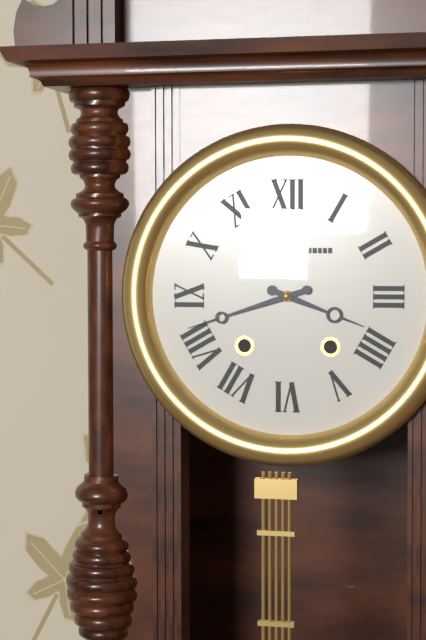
3,42
